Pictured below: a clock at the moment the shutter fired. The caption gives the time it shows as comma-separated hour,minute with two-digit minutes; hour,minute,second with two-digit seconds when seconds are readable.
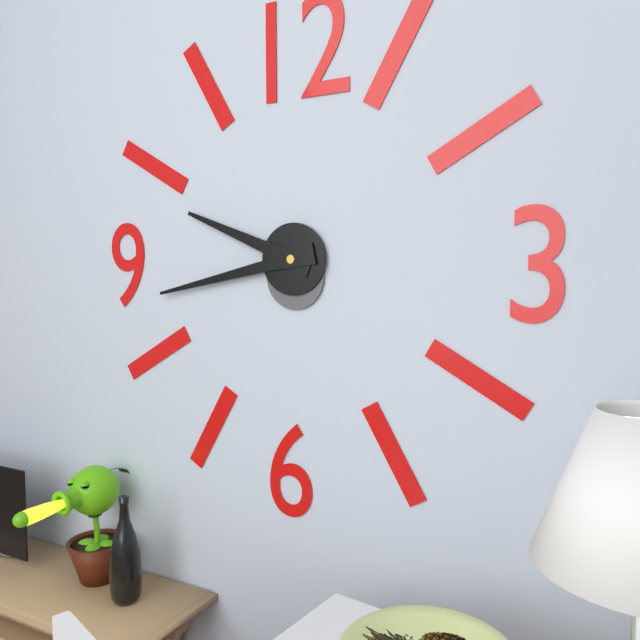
9,43
